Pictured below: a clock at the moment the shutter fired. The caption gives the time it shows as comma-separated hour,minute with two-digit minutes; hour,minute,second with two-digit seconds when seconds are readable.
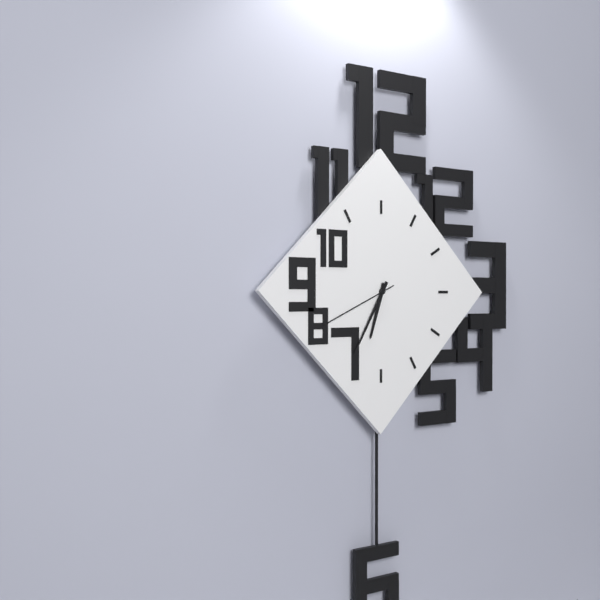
6,35,41
